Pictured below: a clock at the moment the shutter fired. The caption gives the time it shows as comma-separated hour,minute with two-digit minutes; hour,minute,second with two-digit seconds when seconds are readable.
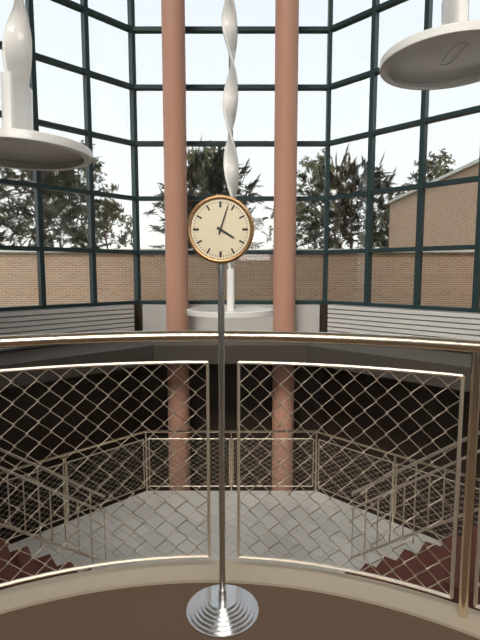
4,03
